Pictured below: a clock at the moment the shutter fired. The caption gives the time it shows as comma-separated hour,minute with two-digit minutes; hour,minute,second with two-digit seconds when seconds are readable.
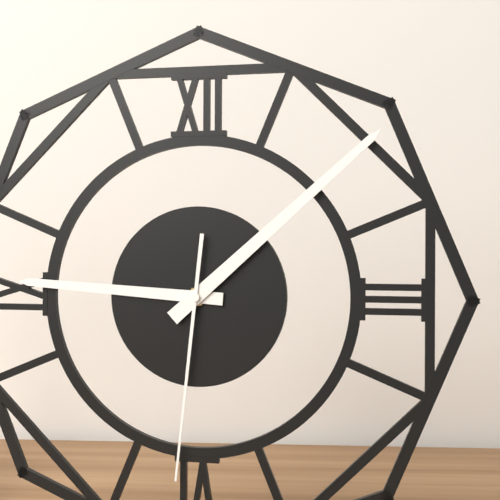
9,08,31
